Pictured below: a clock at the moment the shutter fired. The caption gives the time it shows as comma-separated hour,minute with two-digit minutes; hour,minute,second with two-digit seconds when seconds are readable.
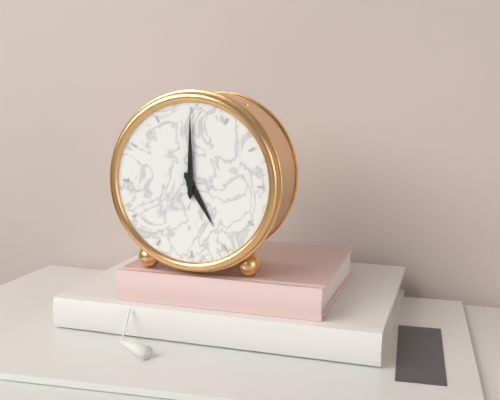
5,00
